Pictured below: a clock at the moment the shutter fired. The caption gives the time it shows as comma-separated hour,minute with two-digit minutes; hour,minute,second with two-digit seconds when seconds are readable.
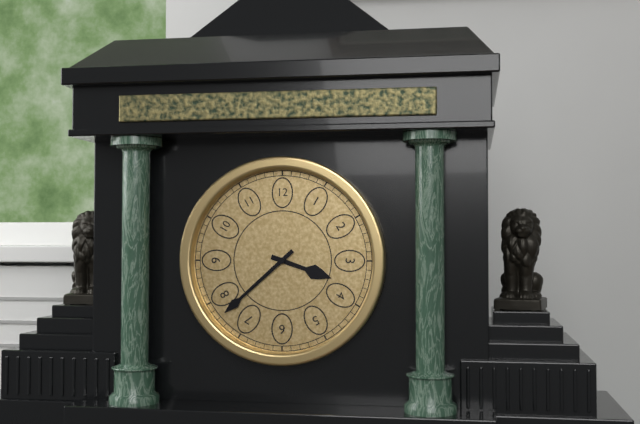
3,38
